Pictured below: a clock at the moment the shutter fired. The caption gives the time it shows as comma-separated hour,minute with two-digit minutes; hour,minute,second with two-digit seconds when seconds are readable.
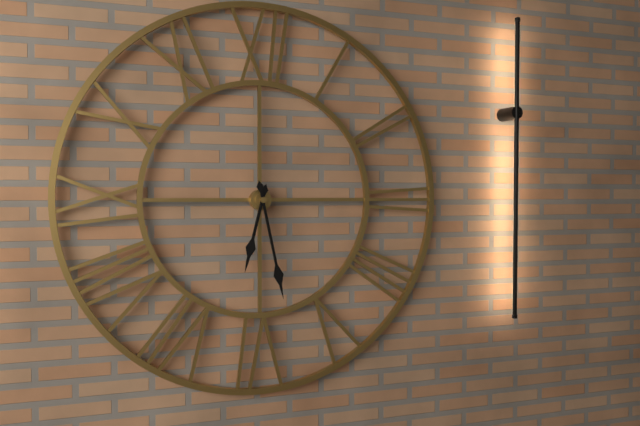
6,28
